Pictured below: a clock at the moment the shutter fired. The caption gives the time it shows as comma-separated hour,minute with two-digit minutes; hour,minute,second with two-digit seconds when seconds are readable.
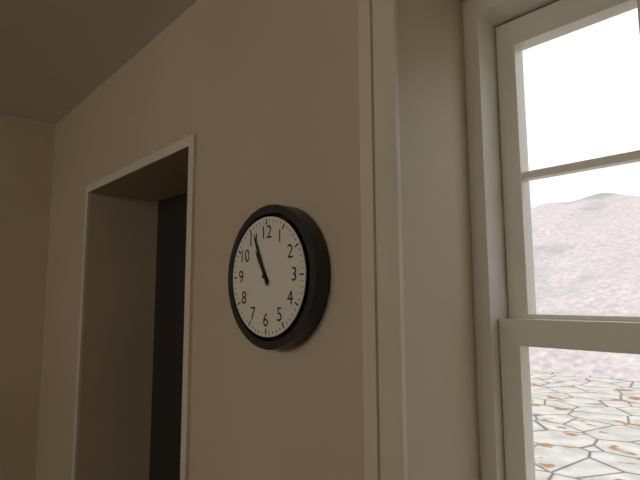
10,56
